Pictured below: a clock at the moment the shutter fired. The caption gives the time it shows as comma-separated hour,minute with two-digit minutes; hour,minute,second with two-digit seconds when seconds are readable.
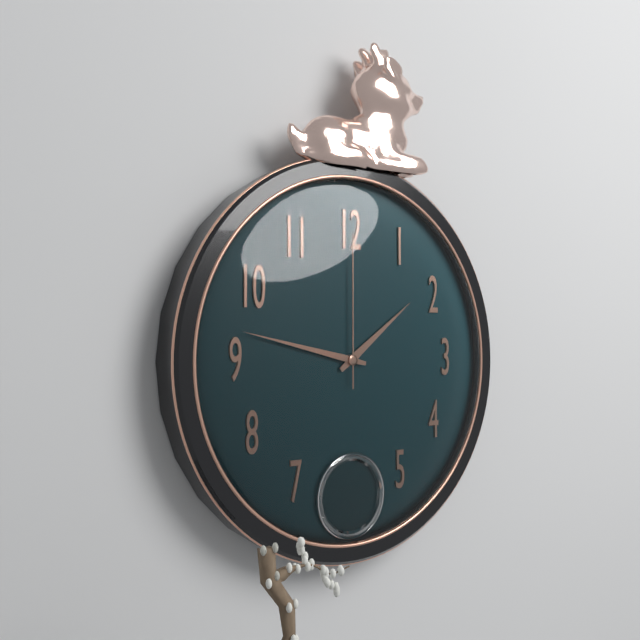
1,47,00
